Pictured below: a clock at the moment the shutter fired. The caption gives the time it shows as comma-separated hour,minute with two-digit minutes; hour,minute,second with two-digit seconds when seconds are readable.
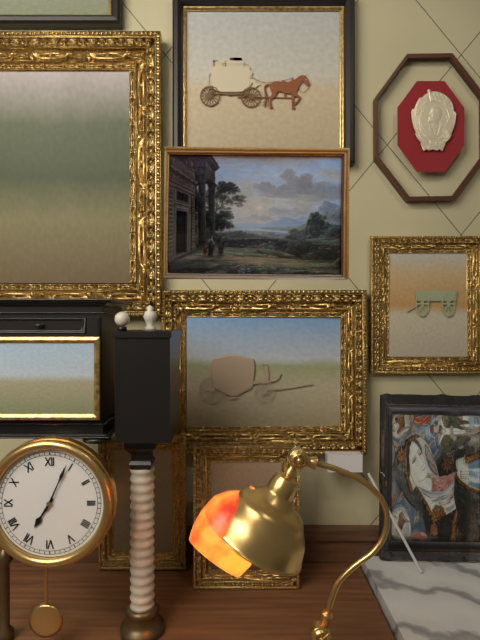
7,04
